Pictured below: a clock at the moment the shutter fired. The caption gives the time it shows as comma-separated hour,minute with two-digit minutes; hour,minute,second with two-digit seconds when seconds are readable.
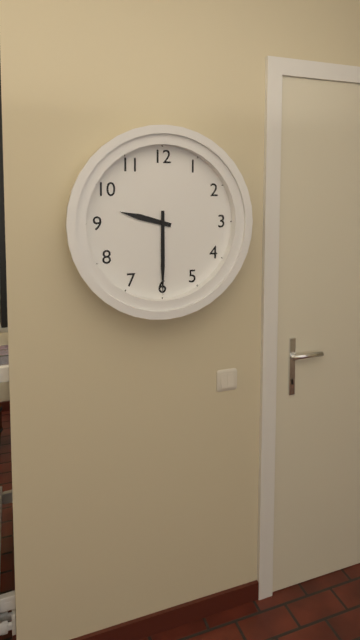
9,30
